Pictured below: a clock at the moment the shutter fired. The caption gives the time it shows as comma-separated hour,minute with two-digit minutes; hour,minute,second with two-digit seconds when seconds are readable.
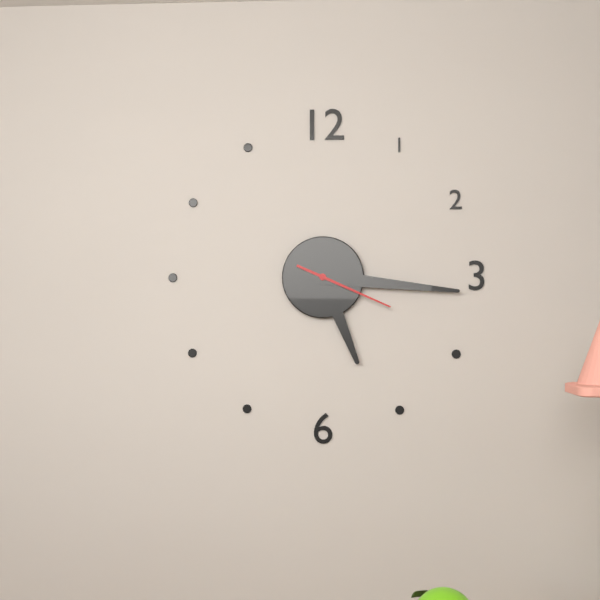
5,16,19
